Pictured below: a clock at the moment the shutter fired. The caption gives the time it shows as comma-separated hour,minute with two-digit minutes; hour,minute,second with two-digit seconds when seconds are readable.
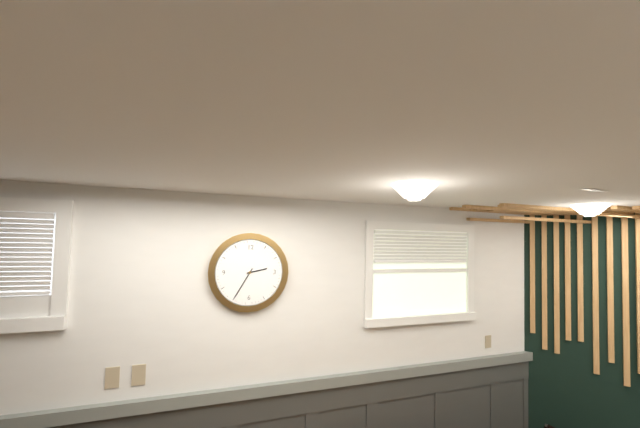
2,35
